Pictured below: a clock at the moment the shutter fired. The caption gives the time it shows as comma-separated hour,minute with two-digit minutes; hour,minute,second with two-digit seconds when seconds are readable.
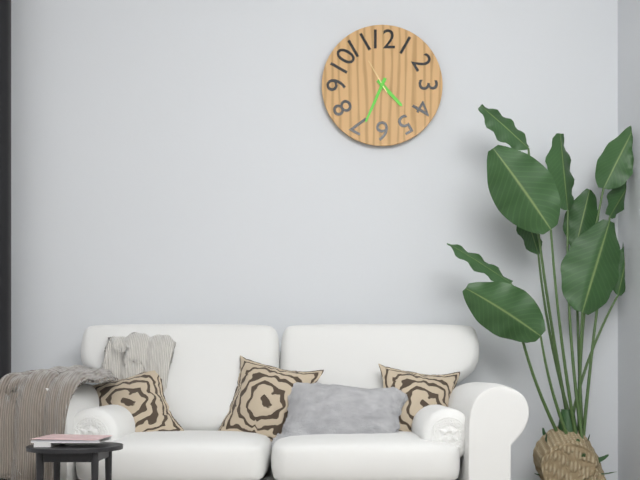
4,34
